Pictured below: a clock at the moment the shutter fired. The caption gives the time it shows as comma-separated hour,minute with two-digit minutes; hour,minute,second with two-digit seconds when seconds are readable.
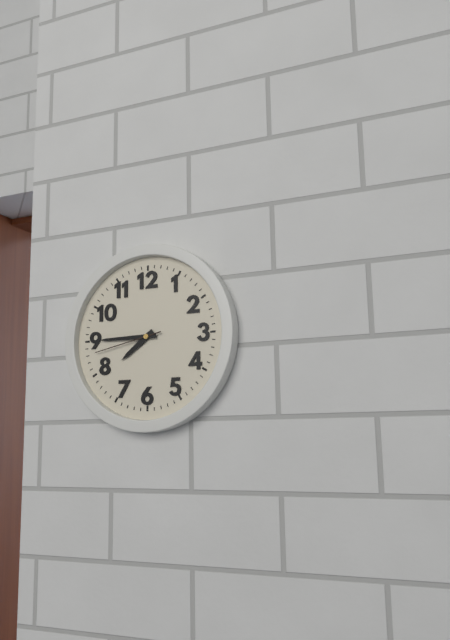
7,45,43
